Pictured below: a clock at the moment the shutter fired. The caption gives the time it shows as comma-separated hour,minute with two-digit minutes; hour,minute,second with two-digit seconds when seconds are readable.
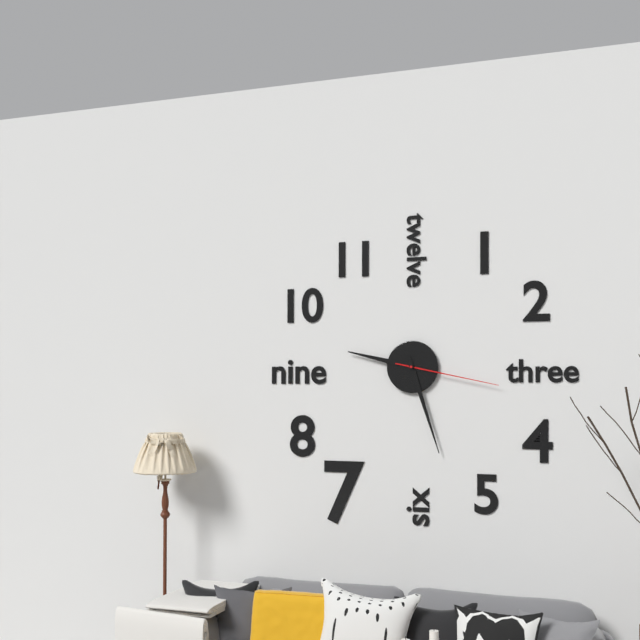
9,27,17
